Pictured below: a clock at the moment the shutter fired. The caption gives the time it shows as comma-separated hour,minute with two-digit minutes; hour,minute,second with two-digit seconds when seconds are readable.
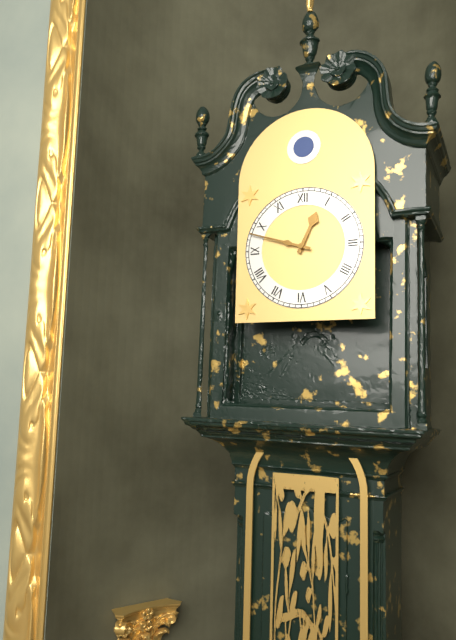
12,48
